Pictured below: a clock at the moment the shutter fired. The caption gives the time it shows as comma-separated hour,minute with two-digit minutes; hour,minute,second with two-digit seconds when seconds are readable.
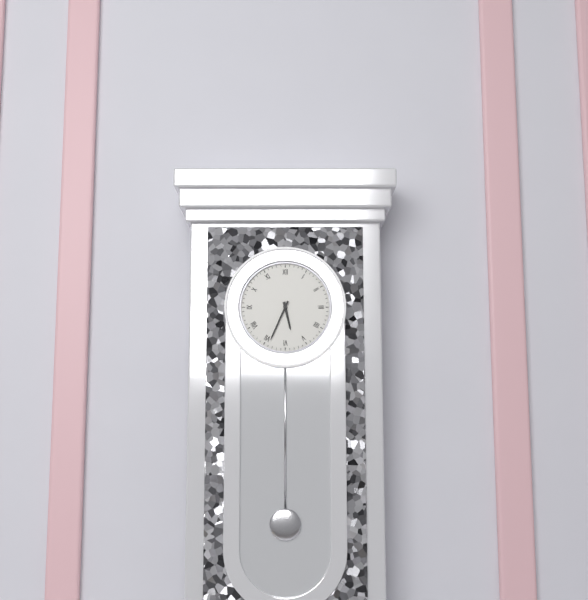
5,34
